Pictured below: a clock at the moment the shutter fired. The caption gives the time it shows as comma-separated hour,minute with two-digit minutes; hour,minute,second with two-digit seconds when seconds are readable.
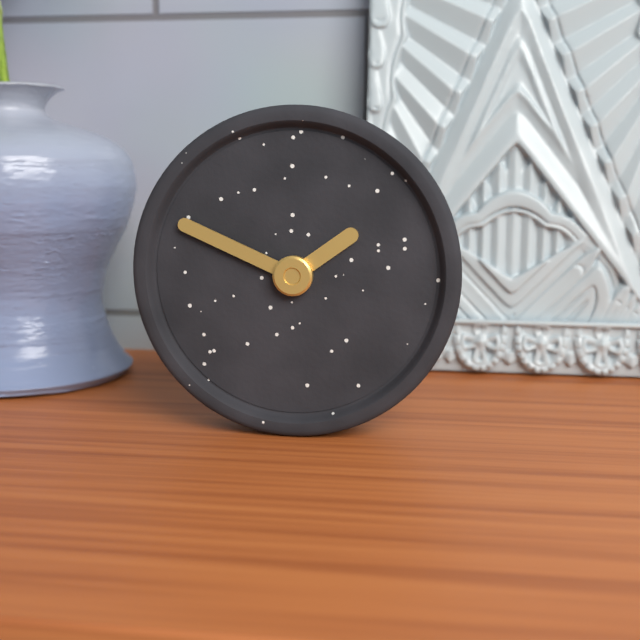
1,49
